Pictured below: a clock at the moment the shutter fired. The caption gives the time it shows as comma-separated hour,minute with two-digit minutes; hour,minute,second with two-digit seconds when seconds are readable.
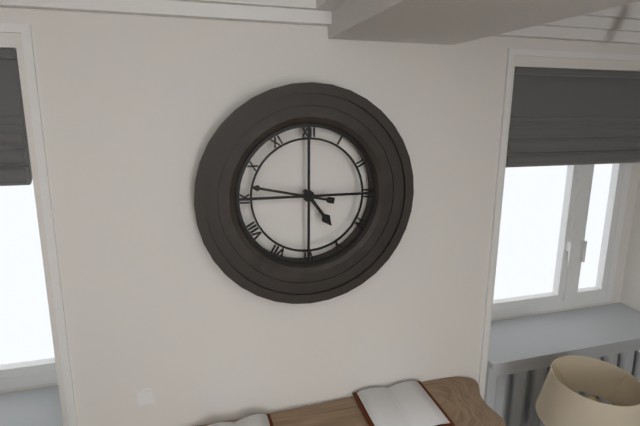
4,47
